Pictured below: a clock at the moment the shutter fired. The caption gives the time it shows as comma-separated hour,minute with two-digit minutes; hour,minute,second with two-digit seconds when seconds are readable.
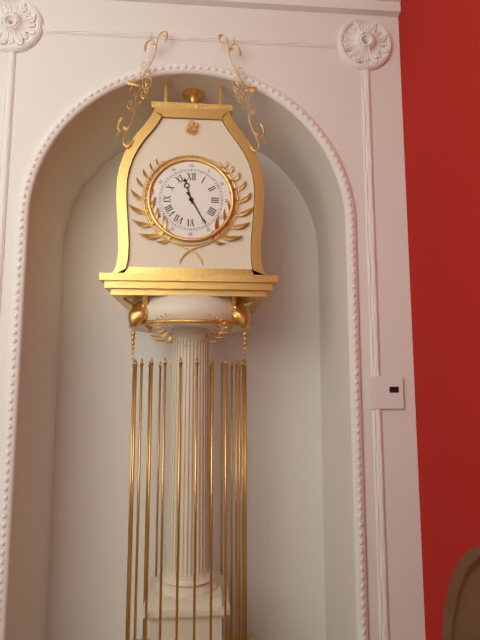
11,25
